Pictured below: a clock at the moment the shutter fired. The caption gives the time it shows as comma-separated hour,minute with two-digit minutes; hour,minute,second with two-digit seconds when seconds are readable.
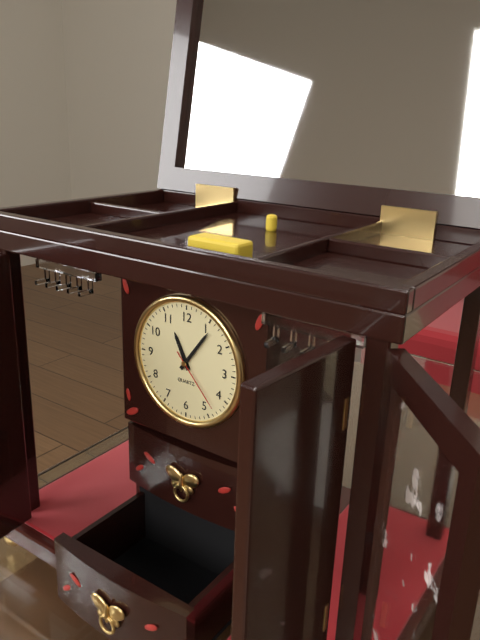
11,06,23
